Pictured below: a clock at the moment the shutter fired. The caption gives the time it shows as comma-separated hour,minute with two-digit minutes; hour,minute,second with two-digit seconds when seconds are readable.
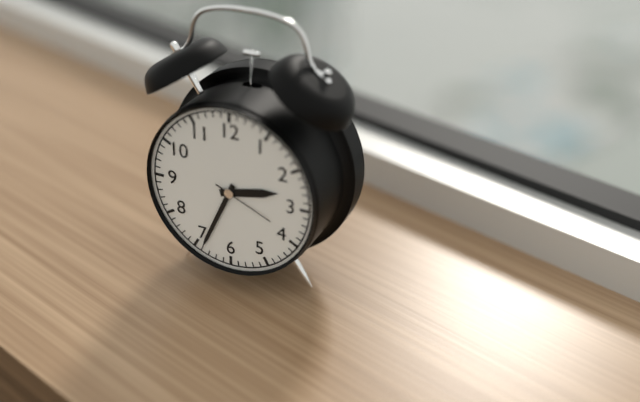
2,34,19
